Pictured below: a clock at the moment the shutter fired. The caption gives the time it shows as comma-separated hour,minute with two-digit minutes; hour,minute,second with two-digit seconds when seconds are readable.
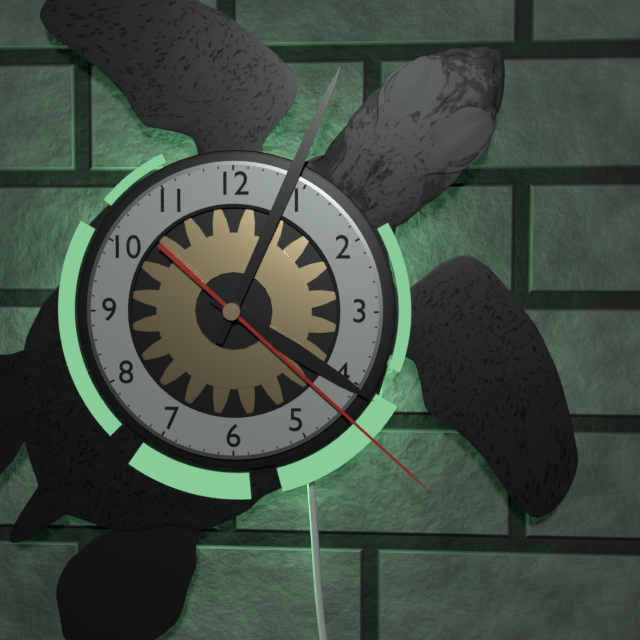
4,04,22
